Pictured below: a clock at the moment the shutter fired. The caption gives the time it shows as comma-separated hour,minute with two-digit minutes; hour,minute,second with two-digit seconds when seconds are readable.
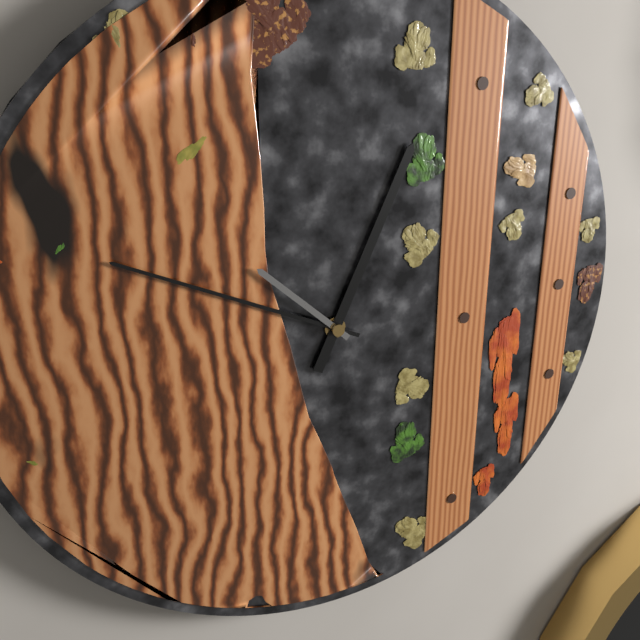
12,49,52
